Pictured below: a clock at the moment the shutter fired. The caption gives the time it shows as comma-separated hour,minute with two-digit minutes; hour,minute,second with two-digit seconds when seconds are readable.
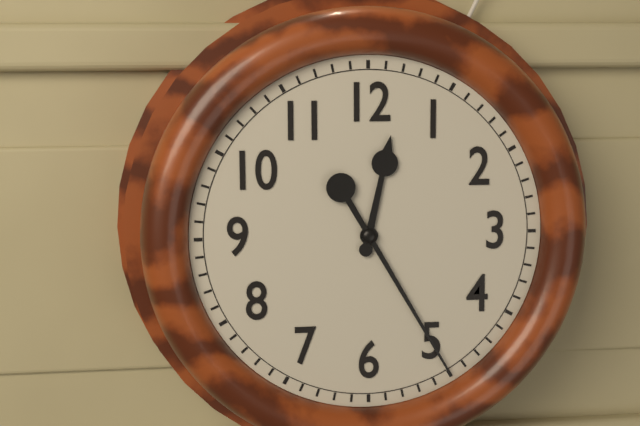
12,25
